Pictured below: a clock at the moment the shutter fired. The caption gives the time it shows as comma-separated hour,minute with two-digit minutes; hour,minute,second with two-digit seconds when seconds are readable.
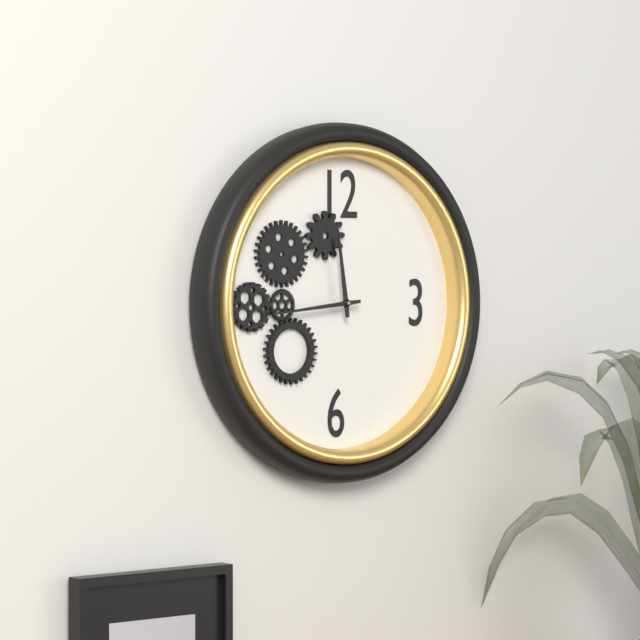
11,44
